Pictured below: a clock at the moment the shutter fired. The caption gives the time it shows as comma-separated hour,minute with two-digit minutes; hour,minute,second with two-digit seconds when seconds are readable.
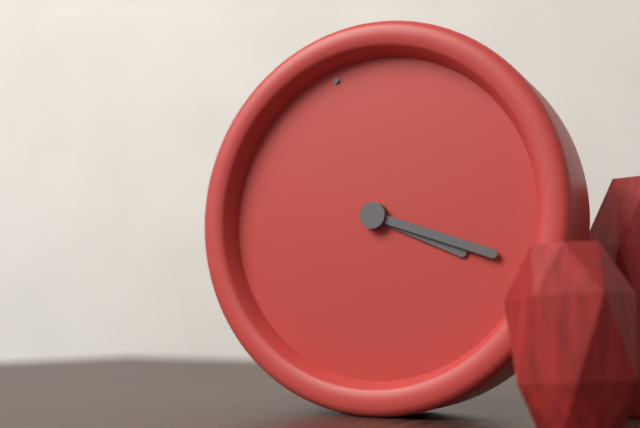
4,21
